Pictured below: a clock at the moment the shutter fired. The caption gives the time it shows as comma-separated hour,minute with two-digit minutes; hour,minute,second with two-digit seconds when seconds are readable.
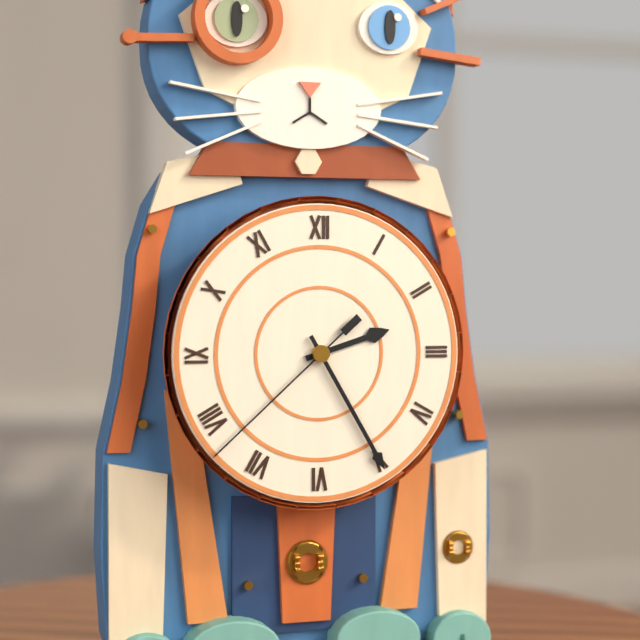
2,25,38
